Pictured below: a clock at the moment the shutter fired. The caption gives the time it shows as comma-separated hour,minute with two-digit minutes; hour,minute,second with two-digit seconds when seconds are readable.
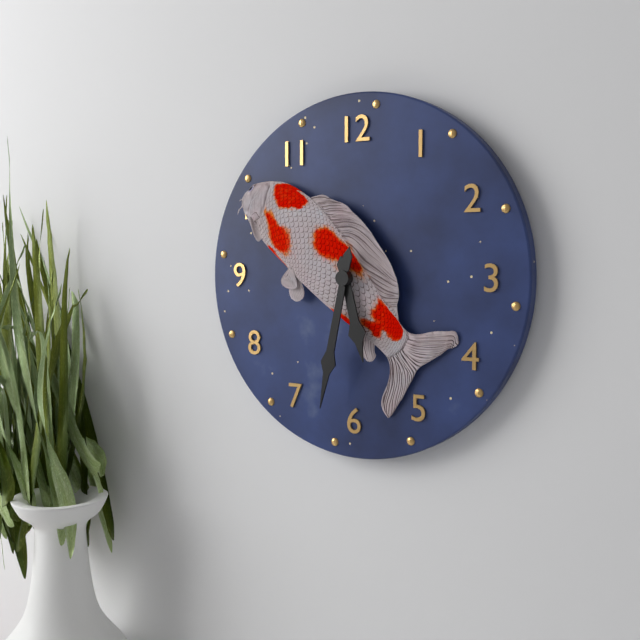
5,32
